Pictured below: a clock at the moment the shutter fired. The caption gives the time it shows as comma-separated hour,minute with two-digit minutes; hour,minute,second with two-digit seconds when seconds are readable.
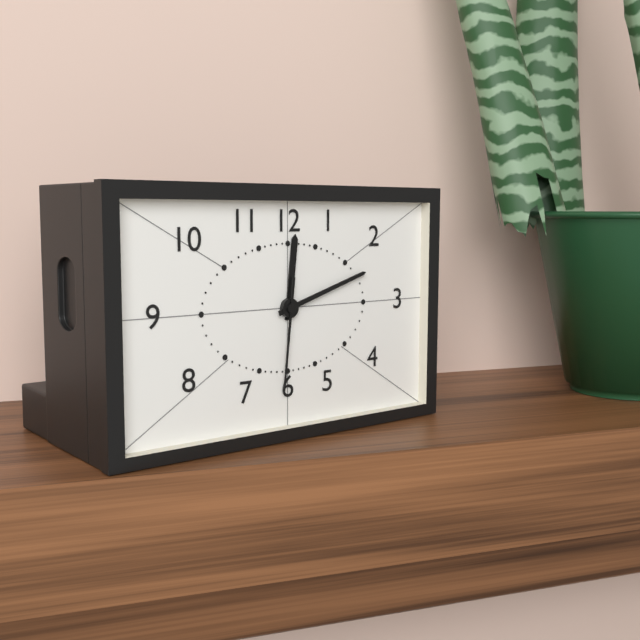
12,12,31
